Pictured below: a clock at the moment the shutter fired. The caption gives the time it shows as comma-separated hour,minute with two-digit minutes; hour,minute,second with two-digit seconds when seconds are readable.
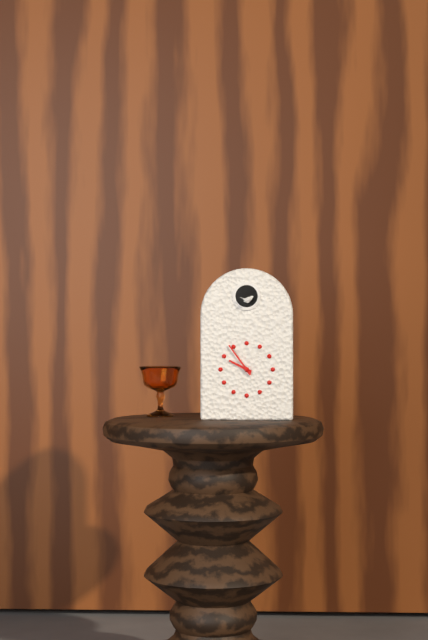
9,54
